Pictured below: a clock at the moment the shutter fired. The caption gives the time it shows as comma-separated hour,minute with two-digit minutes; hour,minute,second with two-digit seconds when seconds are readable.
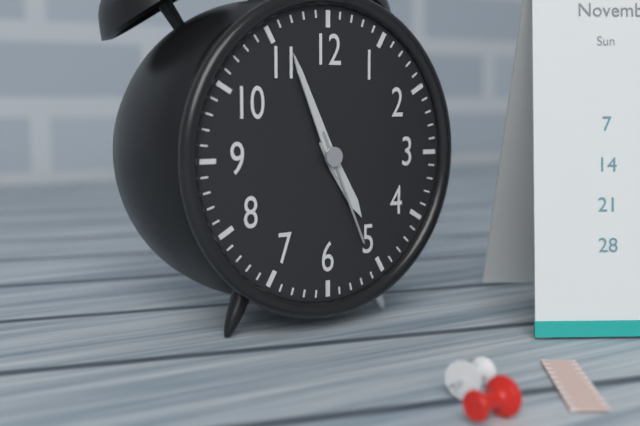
4,56,26
